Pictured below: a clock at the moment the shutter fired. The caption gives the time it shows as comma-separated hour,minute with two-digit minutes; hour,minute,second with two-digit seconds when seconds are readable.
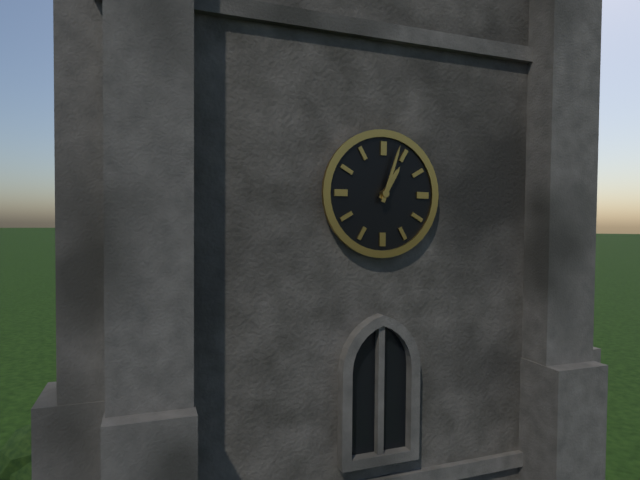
1,03
